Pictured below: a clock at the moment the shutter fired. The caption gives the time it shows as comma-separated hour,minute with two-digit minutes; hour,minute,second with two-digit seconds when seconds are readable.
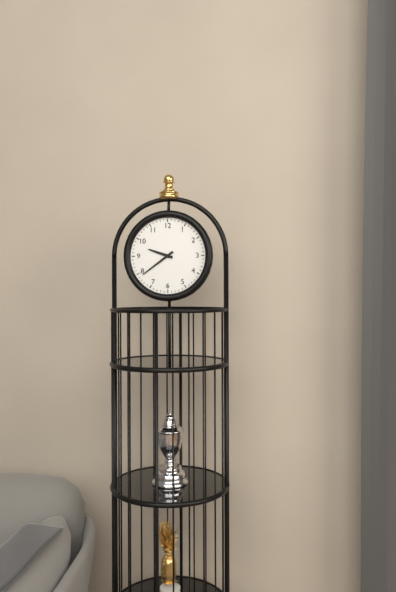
9,39
